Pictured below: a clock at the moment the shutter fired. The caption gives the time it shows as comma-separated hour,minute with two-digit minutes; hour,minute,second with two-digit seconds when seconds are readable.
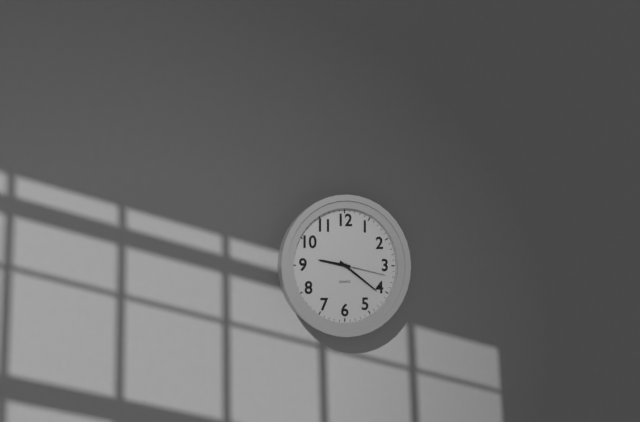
9,21,17
